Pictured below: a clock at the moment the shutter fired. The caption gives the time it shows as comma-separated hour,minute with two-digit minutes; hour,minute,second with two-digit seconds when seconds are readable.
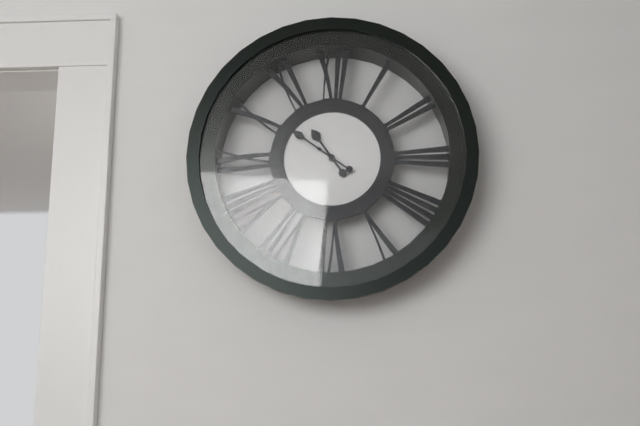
10,51
